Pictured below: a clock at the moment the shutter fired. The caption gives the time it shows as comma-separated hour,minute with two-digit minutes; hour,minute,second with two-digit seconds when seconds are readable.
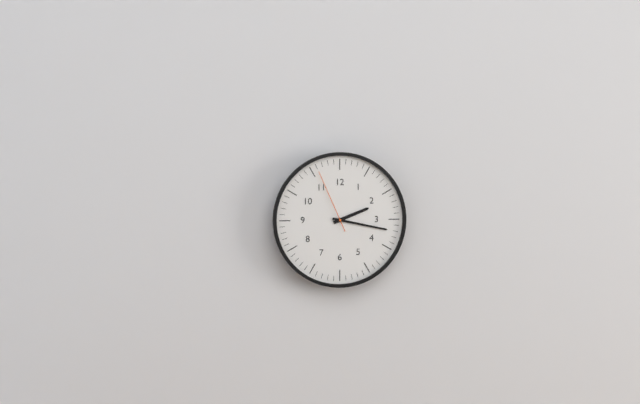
2,17,56
